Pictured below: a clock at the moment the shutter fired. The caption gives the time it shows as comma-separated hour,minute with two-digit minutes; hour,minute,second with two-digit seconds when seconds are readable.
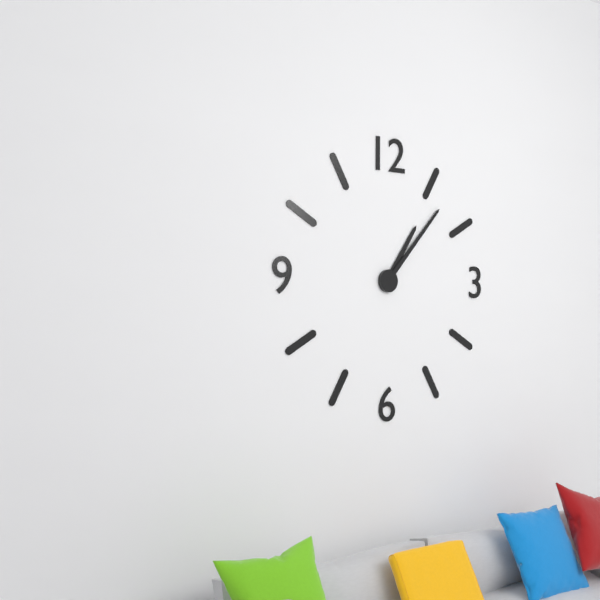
1,07
